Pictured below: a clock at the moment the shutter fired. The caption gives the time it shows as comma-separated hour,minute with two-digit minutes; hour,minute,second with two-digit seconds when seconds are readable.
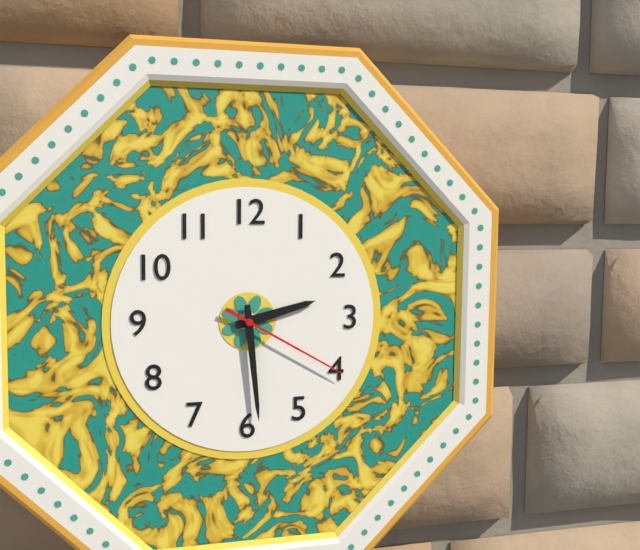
2,29,20
